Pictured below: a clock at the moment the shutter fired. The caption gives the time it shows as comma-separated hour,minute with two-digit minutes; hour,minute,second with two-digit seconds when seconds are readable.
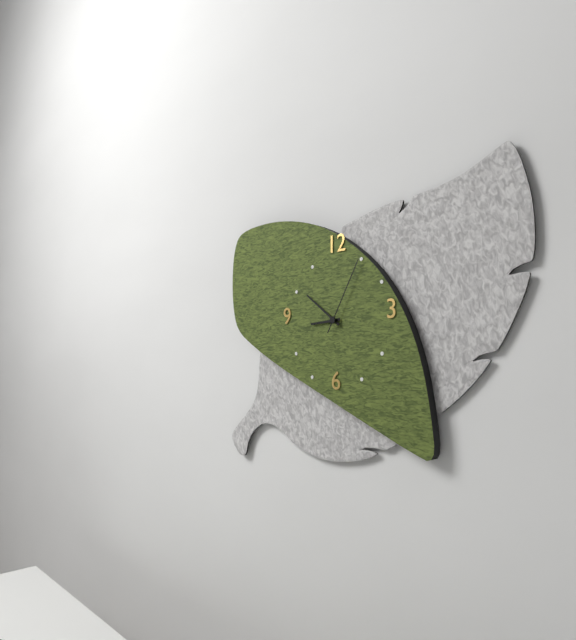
8,51,05
